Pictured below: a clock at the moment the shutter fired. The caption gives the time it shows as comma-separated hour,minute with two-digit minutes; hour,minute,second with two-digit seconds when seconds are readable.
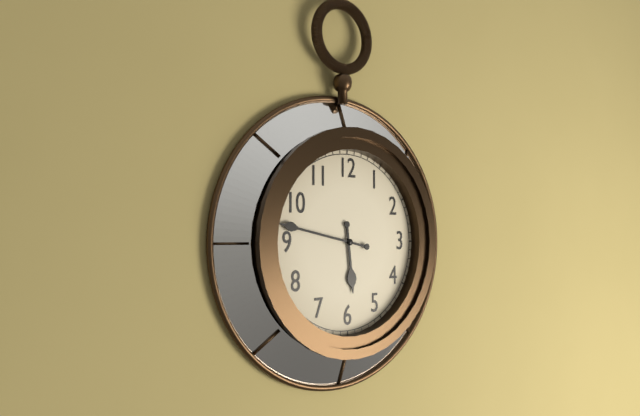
5,47
